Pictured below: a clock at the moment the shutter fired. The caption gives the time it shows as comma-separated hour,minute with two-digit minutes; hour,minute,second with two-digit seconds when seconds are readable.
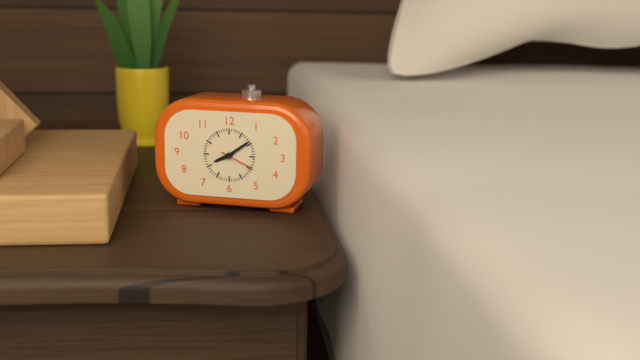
8,09
